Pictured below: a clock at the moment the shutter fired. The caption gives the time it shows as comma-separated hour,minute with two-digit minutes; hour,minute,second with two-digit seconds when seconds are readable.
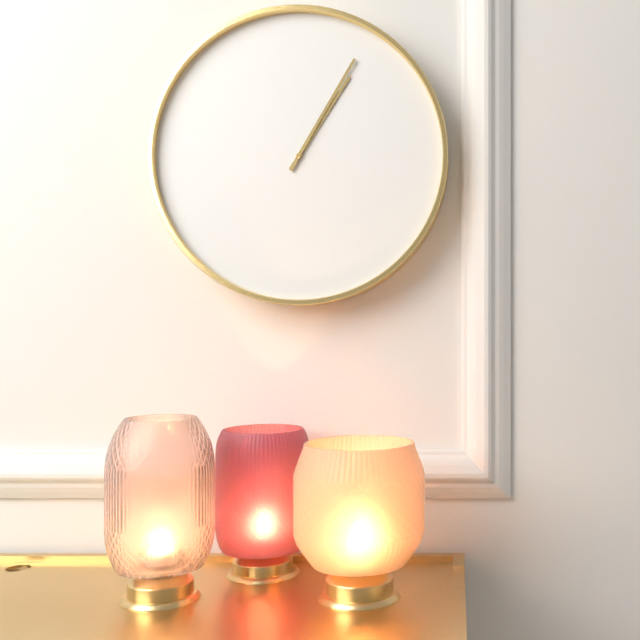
1,05
